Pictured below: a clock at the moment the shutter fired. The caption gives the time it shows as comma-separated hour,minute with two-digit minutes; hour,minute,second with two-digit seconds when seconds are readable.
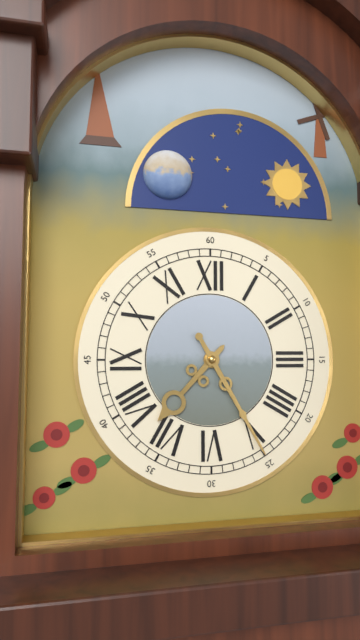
7,25
